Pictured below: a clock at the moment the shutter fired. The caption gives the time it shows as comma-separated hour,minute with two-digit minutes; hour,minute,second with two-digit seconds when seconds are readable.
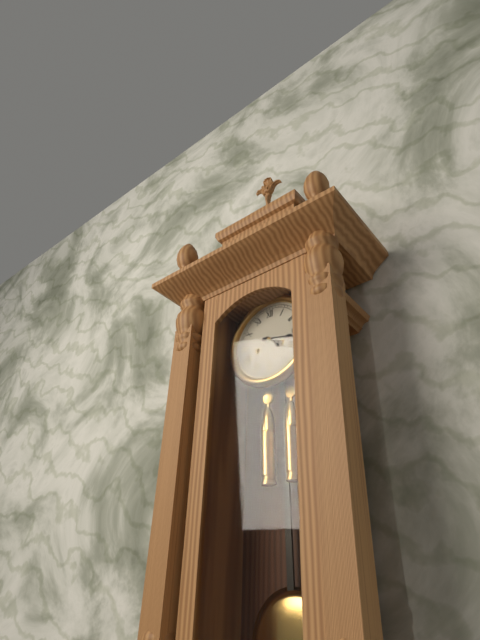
4,17
